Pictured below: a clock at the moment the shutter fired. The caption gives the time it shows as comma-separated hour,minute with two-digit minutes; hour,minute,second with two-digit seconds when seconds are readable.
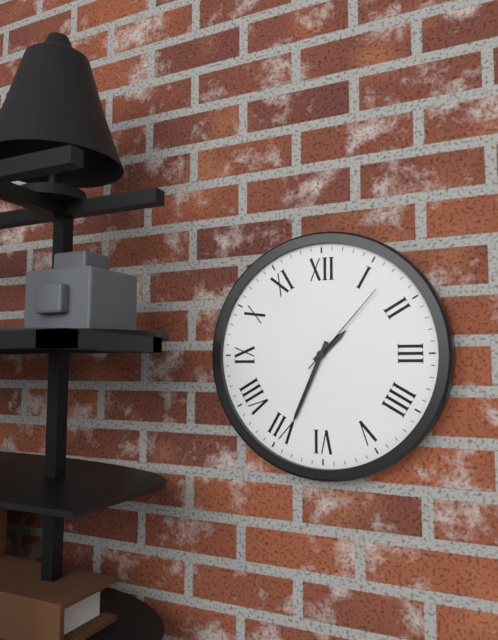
1,34,07
